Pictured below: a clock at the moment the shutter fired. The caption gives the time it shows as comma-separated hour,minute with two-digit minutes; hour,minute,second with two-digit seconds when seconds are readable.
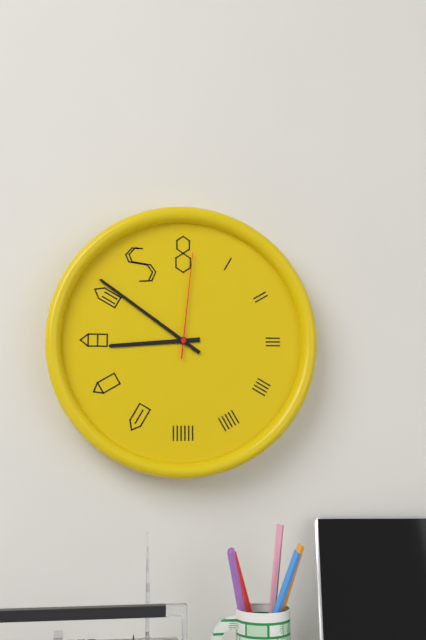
8,51,01
